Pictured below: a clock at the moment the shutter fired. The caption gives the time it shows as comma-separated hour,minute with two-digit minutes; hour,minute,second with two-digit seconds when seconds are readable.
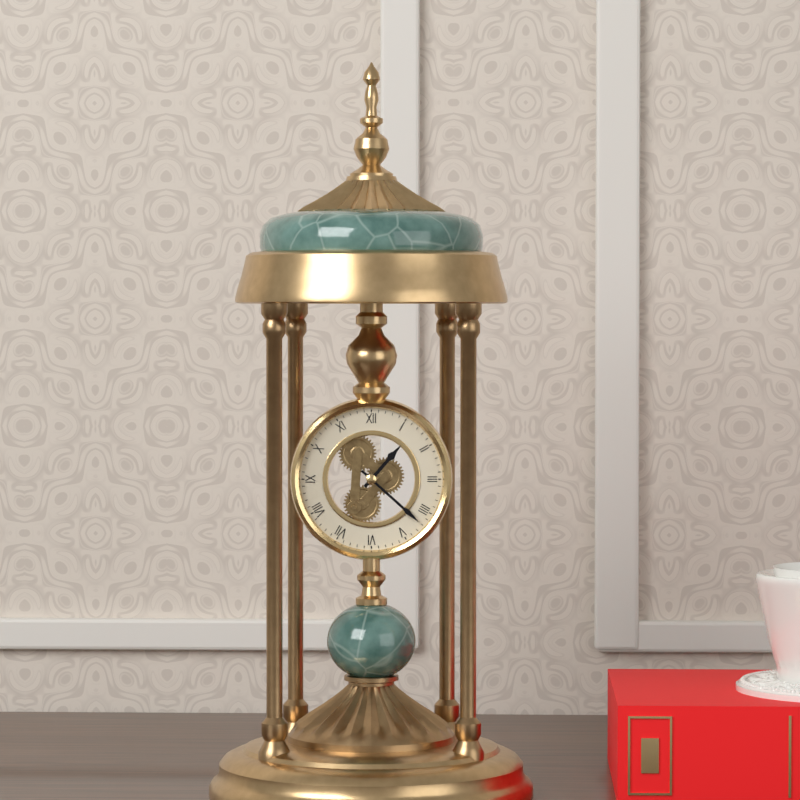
1,22
